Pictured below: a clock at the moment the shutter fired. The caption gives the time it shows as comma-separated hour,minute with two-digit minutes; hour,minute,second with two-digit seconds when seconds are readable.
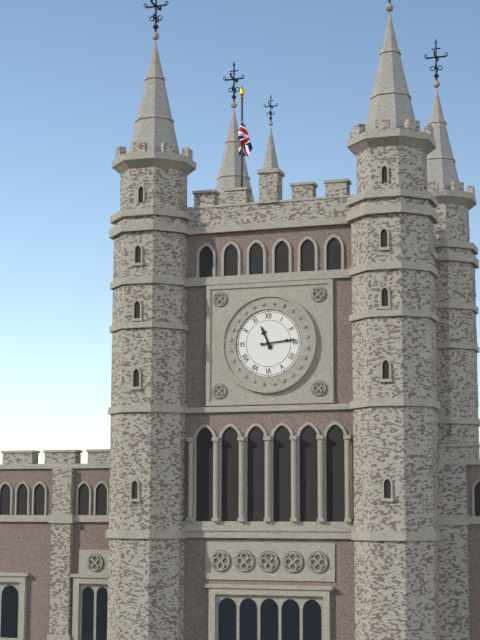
11,14
